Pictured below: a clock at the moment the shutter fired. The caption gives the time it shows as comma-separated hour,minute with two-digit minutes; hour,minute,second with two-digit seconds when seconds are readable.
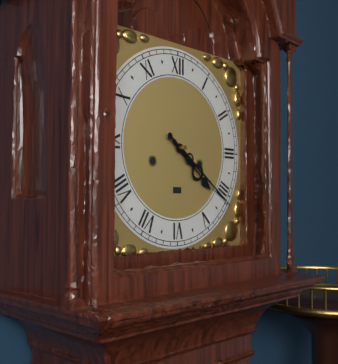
4,21
